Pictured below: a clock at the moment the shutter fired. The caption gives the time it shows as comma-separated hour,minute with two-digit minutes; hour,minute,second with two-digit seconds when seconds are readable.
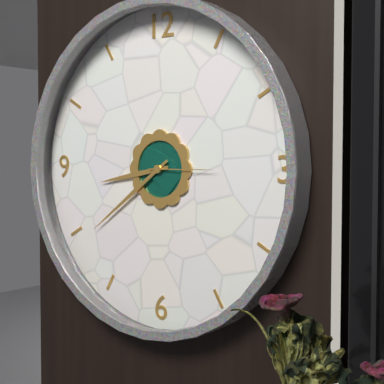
8,39,15
